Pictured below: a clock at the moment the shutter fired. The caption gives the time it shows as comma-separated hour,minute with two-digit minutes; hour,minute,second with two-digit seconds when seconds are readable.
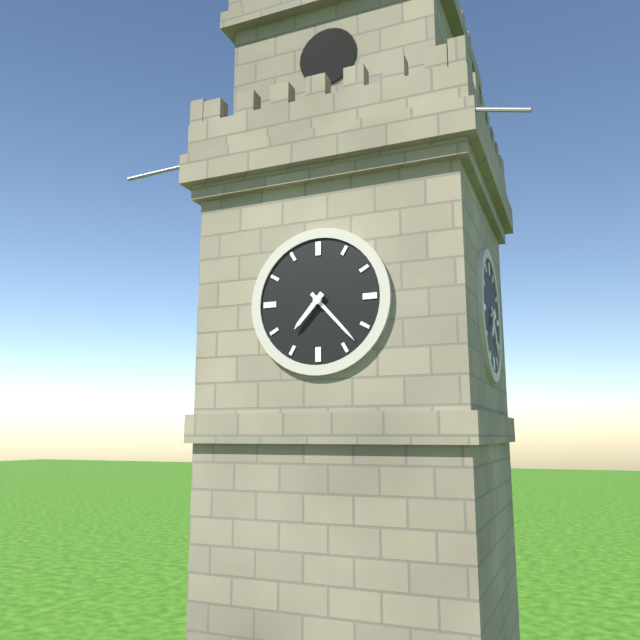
7,23
